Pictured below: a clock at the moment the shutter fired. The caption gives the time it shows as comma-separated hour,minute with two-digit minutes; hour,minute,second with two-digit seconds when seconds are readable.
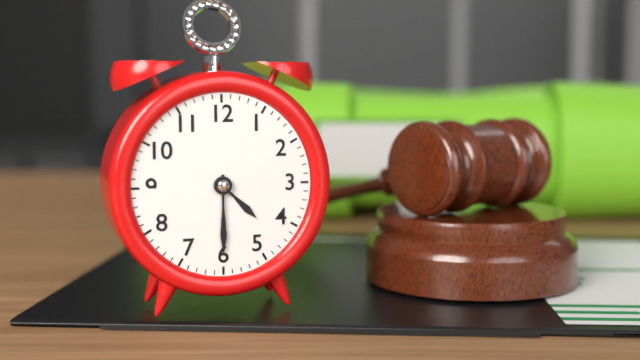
4,30
